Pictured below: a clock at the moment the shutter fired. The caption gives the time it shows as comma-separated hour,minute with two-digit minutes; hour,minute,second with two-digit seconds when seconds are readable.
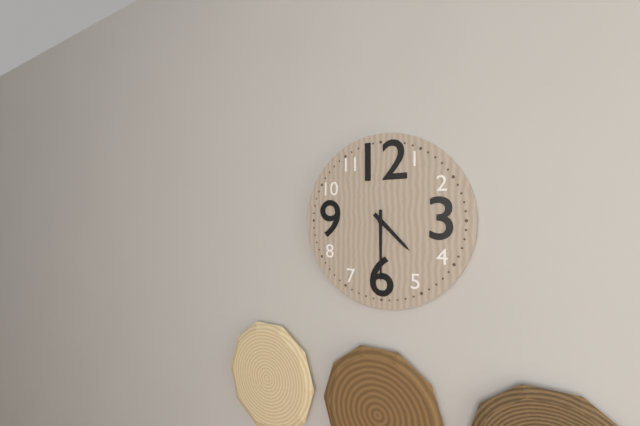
4,30
